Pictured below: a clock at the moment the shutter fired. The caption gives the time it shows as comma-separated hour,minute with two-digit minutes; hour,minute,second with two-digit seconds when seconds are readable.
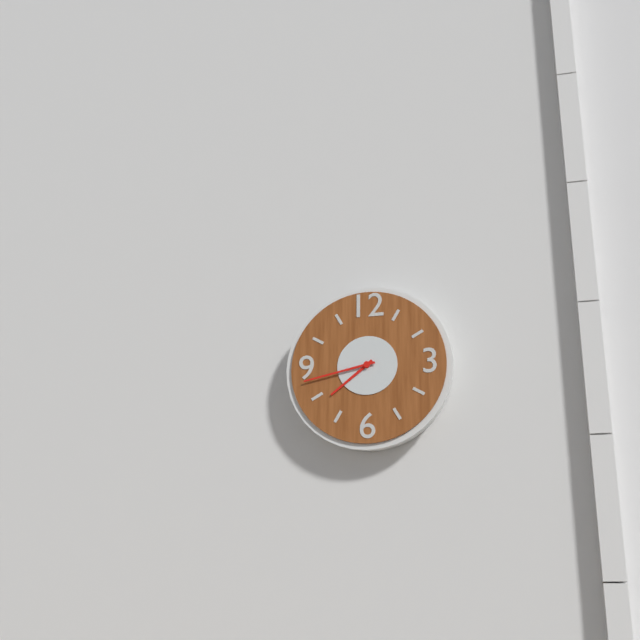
7,43
